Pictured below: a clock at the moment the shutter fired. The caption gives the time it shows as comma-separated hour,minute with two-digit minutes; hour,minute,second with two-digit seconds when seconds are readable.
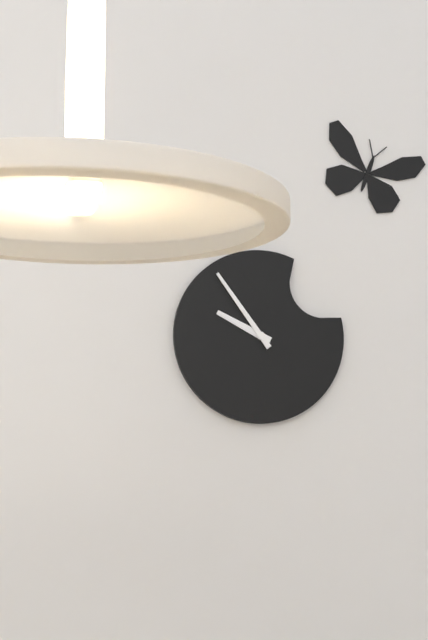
9,54
